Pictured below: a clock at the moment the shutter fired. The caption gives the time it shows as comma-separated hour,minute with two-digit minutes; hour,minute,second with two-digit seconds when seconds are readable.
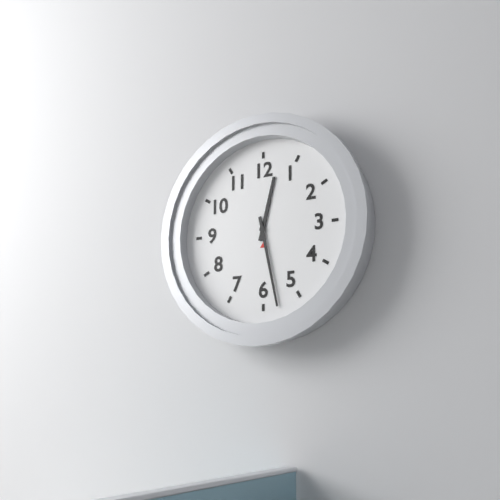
12,28
